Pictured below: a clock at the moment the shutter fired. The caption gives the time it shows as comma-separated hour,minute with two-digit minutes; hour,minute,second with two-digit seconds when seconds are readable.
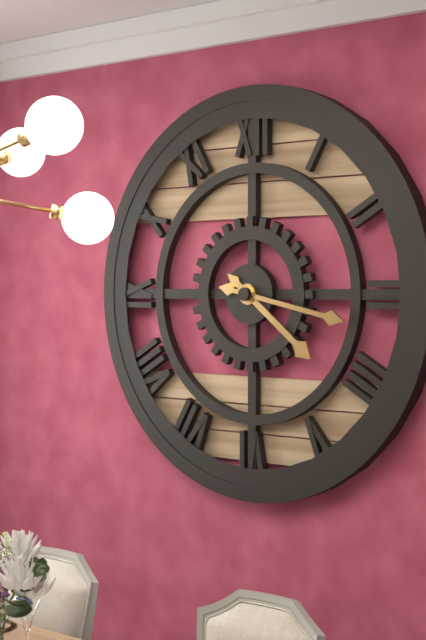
4,17
